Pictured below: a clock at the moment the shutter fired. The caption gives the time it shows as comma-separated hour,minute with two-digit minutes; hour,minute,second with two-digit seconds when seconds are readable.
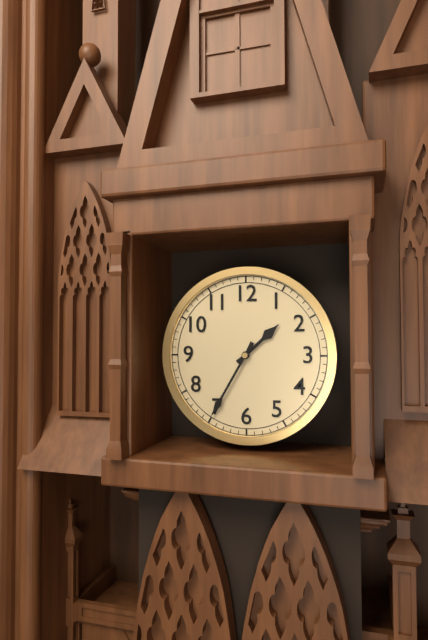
1,35
